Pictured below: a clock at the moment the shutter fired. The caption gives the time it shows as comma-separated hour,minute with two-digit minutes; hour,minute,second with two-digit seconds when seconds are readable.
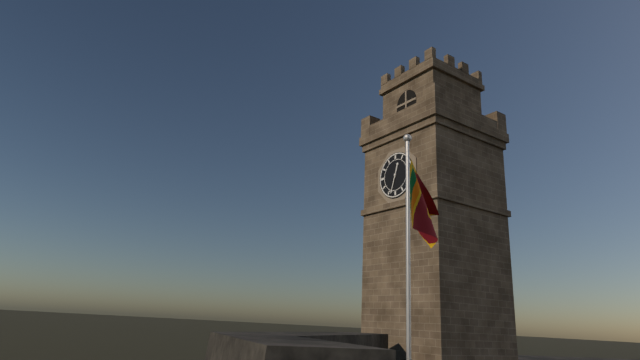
12,33
